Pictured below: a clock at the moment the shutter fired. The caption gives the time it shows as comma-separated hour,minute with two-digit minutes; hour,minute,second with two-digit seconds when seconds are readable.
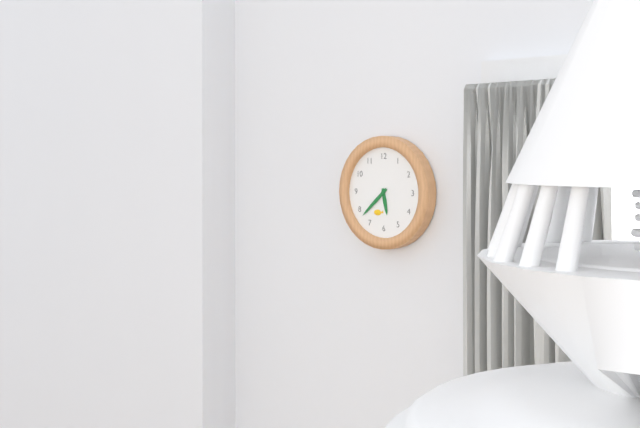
5,38
